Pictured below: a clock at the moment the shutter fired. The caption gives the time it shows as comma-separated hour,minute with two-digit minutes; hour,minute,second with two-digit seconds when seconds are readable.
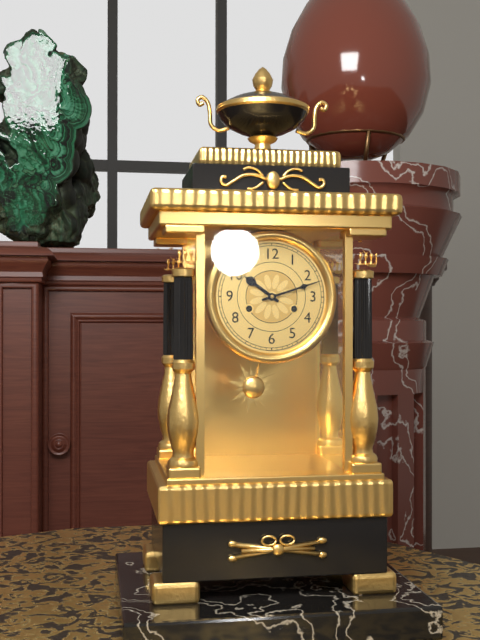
10,12
